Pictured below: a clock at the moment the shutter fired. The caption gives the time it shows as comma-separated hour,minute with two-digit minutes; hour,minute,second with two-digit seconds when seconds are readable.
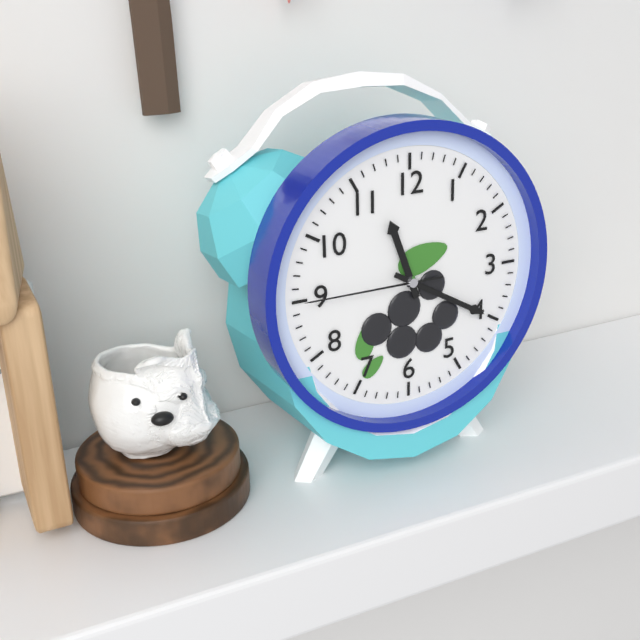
11,20,45
